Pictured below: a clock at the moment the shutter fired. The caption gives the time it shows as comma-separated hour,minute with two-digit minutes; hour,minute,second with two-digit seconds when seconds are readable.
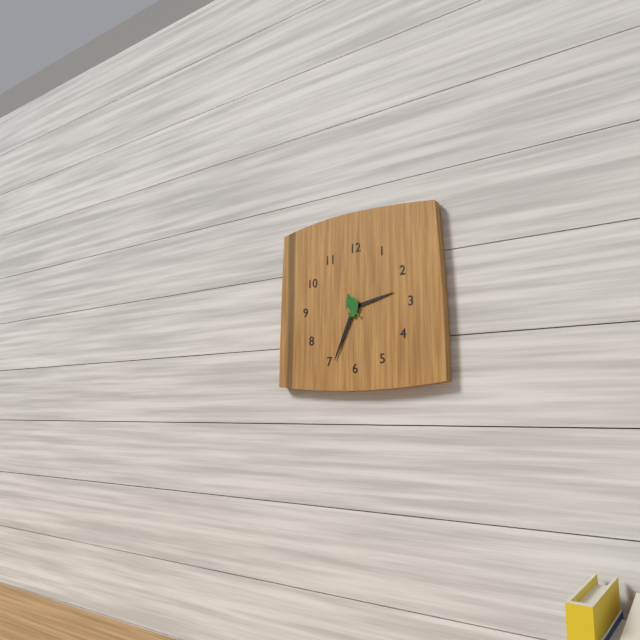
2,34
